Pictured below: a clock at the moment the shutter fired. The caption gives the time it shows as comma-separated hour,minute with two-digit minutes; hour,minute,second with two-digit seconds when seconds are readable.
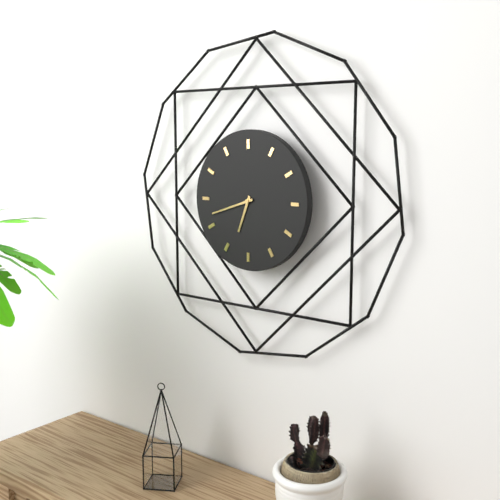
6,42
